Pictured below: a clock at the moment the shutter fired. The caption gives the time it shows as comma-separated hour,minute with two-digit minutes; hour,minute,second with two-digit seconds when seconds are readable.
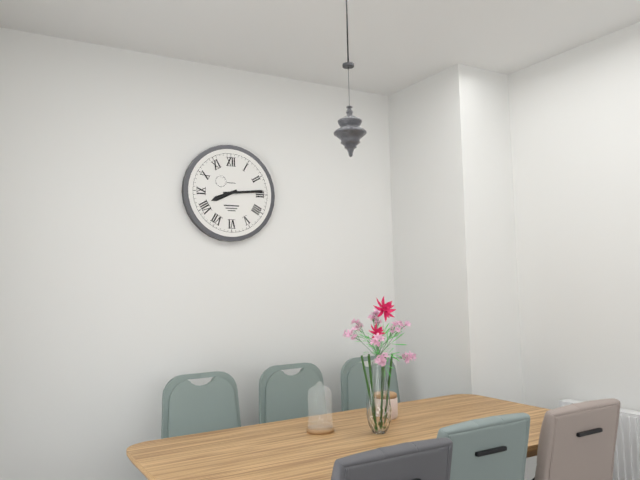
8,14
